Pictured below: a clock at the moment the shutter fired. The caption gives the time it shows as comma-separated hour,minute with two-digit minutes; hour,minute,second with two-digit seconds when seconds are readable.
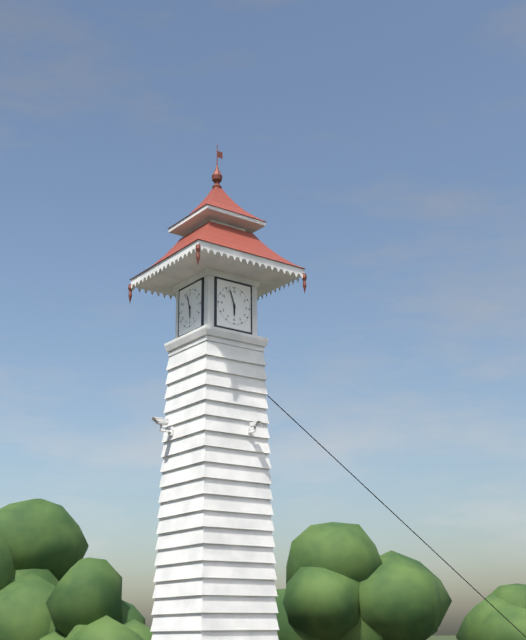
5,57
